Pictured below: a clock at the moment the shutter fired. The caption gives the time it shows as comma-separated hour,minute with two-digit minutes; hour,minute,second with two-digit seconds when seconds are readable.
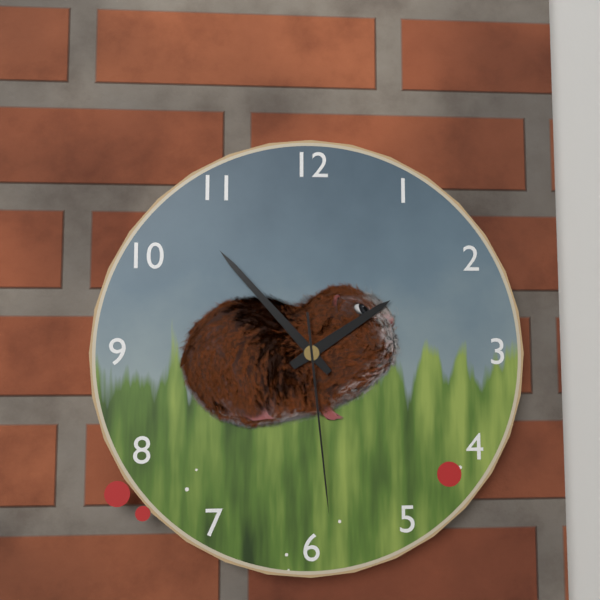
1,53,29
